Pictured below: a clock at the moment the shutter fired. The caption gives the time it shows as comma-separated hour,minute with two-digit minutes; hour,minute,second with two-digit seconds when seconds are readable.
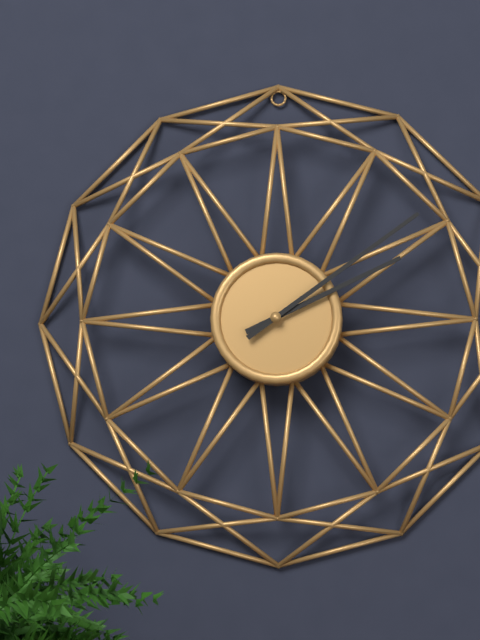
2,09
